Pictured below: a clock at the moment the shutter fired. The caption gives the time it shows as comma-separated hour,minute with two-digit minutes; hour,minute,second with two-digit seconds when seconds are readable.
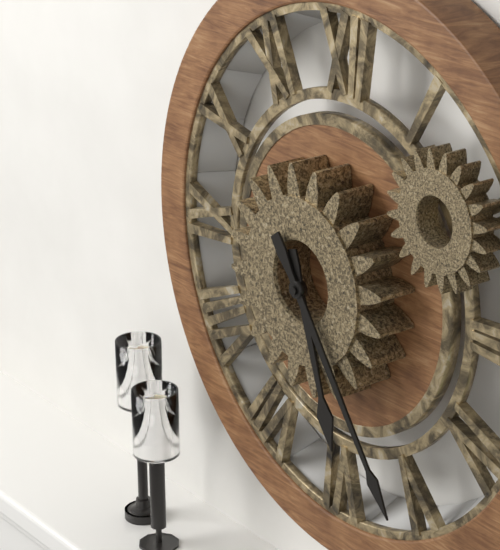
5,24
